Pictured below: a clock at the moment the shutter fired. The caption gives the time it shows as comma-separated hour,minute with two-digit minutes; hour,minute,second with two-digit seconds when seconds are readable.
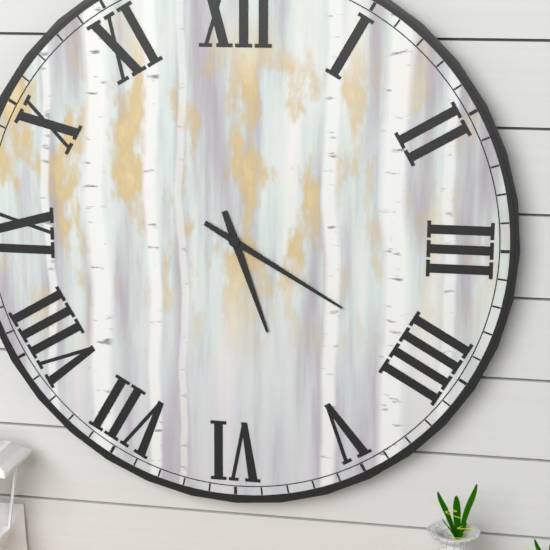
5,20
